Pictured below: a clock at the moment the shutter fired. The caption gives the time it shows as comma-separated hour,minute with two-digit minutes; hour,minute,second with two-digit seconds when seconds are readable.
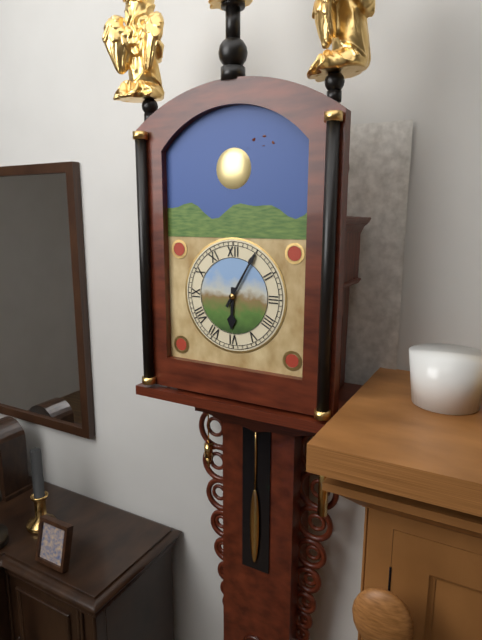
6,05
